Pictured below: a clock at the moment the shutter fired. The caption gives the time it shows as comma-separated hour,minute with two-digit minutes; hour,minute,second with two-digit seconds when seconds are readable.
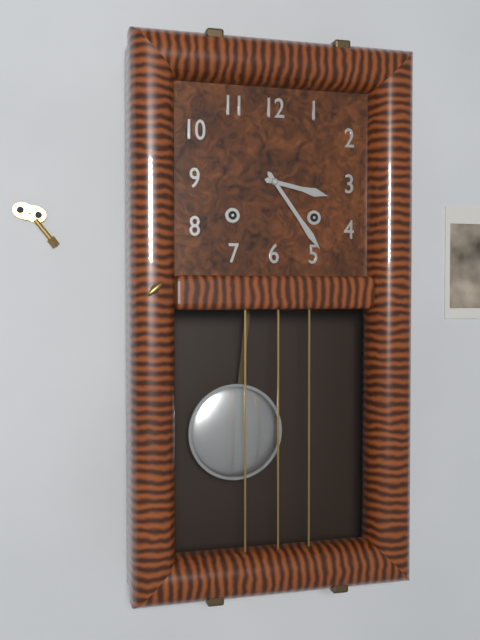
3,24
